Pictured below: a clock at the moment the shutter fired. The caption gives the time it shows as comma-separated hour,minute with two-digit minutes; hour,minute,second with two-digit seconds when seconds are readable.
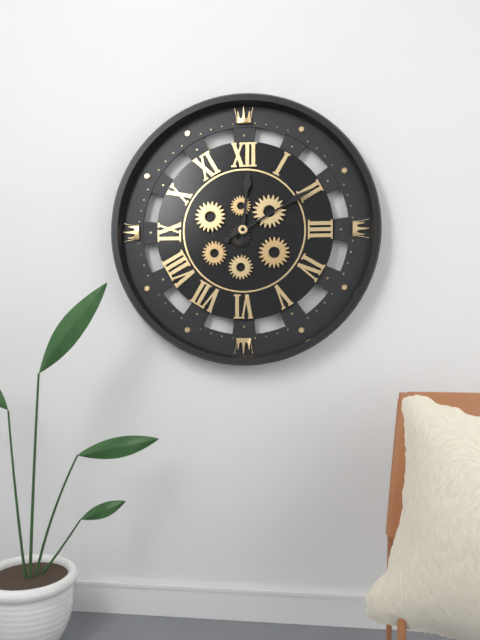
12,10
